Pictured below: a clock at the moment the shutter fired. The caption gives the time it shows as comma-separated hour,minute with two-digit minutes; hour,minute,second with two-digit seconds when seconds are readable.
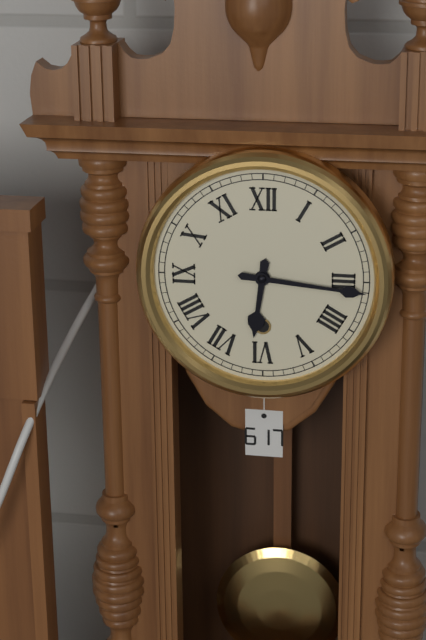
6,16
